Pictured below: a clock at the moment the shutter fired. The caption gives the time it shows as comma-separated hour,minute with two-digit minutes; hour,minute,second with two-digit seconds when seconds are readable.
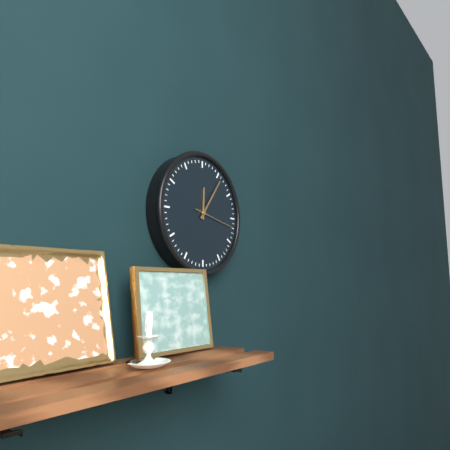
12,06,17
